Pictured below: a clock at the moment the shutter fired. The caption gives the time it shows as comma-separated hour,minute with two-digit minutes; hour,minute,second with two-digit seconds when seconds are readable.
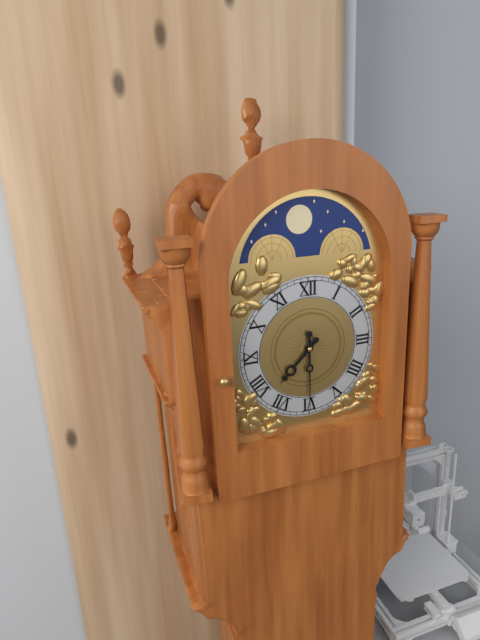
7,30
